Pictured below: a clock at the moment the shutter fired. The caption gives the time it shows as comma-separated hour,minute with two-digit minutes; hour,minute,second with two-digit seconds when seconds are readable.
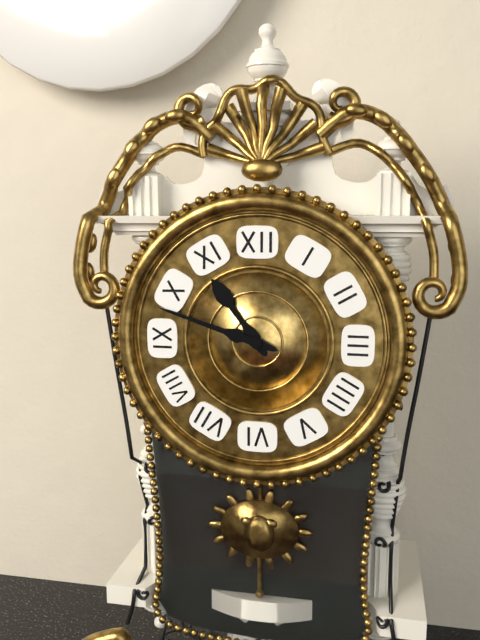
10,48
